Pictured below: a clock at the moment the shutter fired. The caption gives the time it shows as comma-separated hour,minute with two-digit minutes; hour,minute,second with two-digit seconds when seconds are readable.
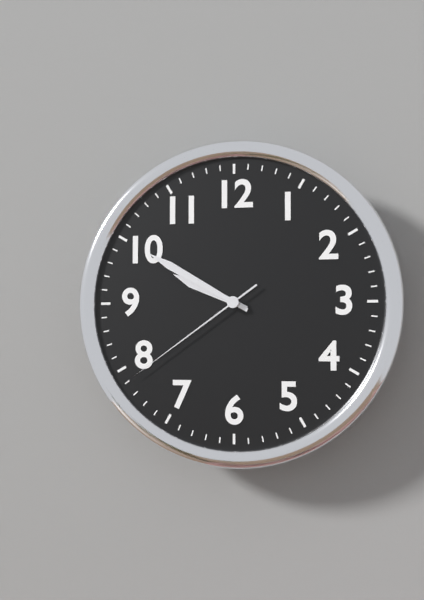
9,50,39
